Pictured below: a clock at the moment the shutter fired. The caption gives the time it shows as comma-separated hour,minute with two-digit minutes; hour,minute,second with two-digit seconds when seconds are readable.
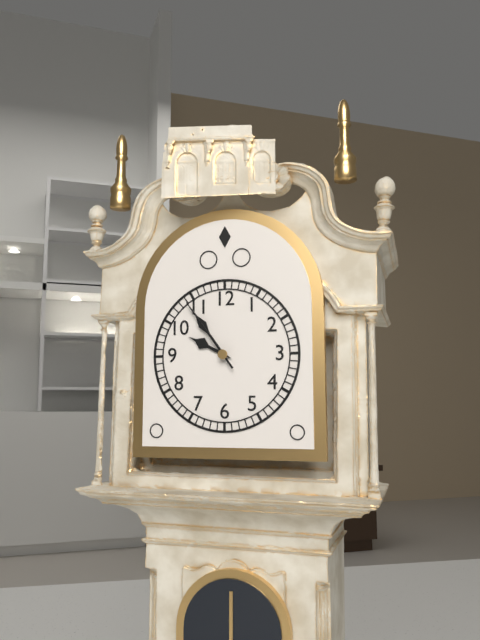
9,54,54
